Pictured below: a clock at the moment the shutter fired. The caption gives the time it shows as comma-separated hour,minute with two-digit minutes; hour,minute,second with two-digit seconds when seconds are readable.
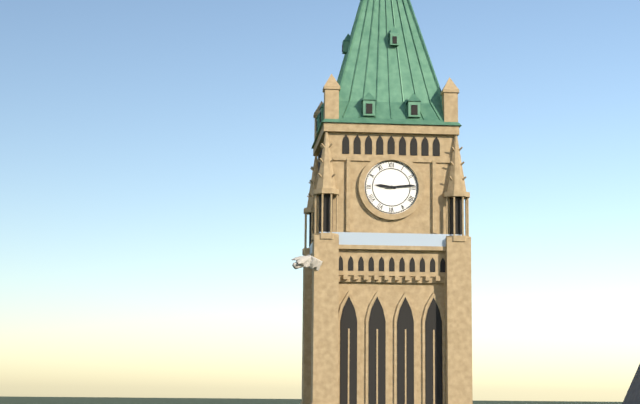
9,14
